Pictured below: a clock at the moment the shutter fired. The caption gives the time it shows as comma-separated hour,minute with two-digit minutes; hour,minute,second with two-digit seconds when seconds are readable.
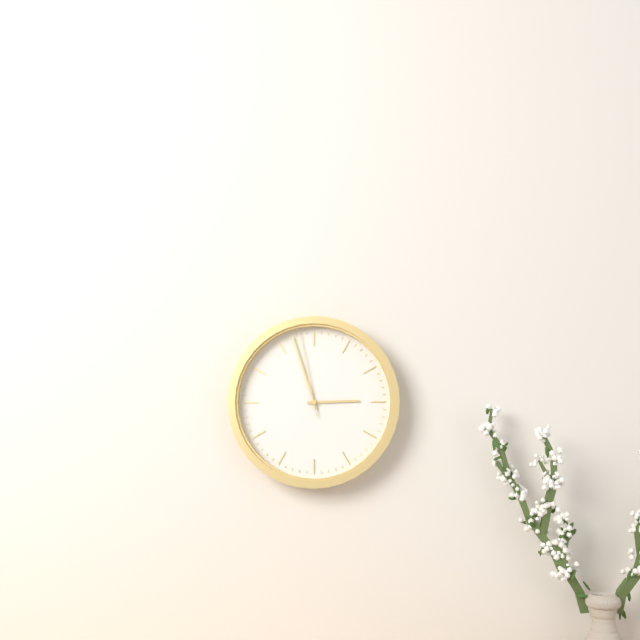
2,57,58
